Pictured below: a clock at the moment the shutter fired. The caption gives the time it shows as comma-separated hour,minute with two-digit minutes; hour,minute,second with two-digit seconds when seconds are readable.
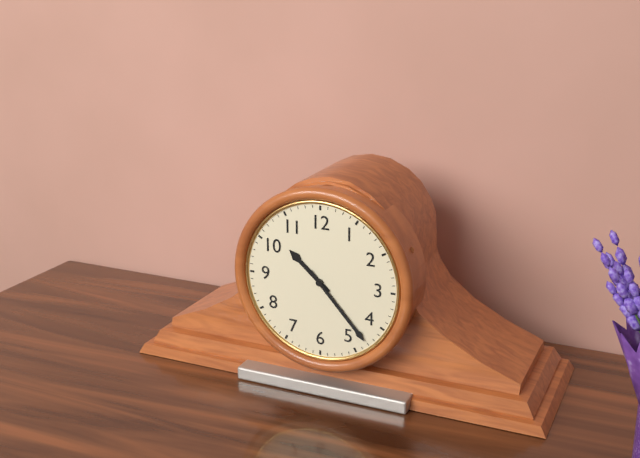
10,23
